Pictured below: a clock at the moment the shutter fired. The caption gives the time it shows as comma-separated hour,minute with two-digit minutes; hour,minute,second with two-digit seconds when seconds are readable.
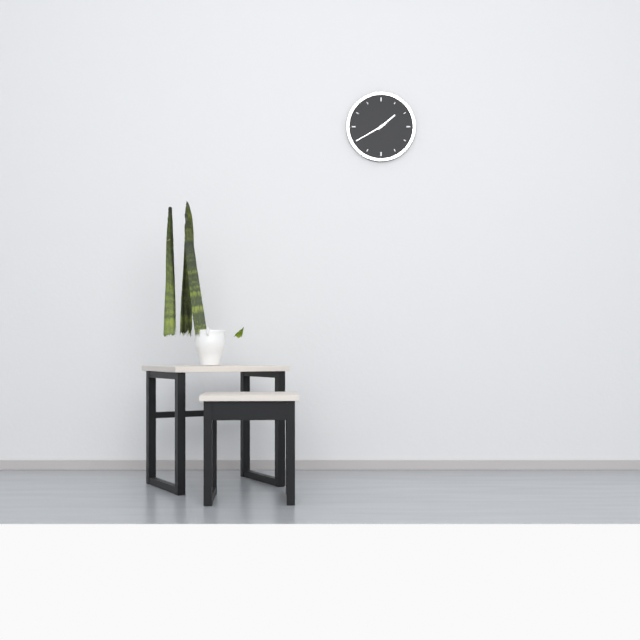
1,40
